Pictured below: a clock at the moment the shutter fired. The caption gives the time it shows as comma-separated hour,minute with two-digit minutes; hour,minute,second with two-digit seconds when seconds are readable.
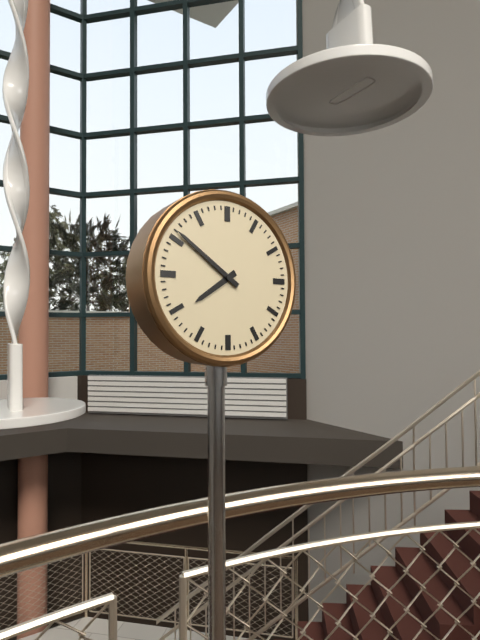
7,51
